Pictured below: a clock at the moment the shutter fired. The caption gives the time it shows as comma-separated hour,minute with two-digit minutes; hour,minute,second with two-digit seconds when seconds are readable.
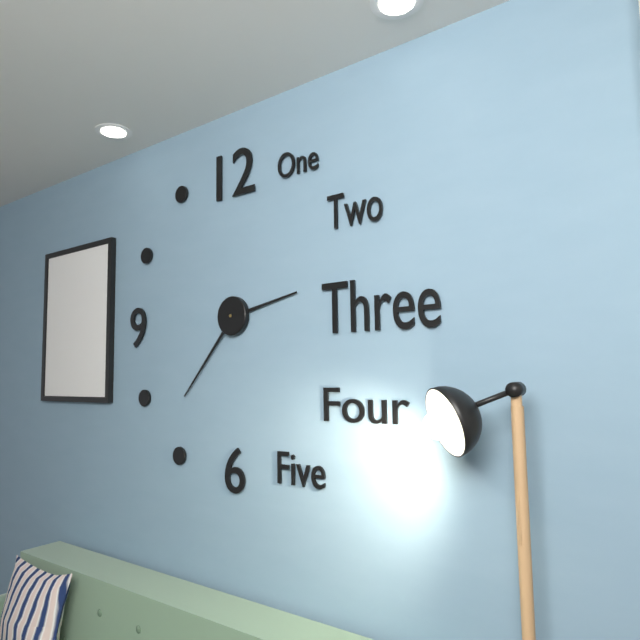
2,37
